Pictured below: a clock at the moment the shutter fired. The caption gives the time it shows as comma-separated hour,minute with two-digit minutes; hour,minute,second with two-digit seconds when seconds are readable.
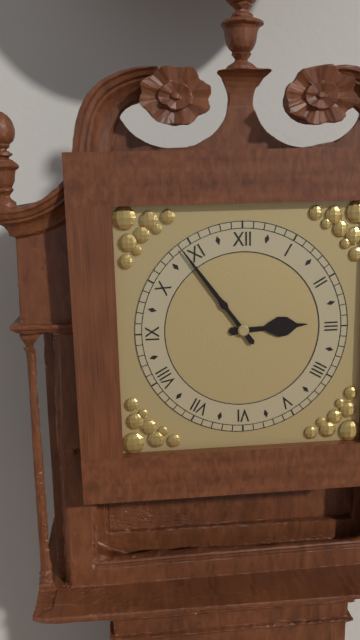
2,54
